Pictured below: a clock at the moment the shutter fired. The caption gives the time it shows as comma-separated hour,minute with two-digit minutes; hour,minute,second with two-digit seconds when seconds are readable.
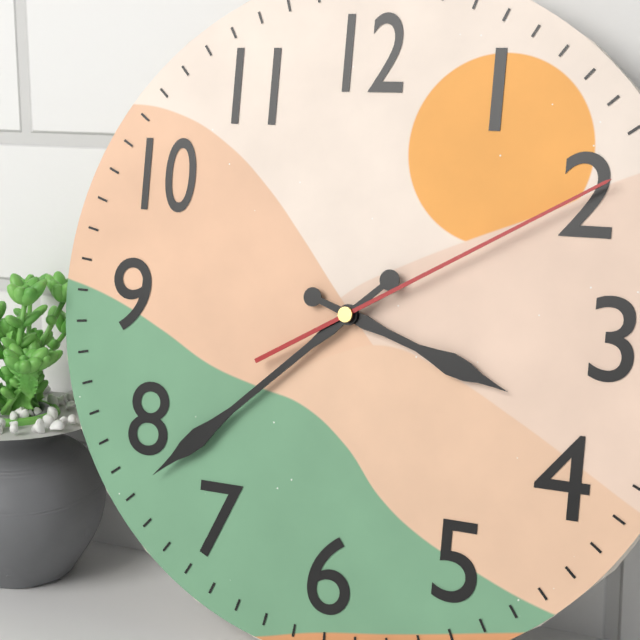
3,38,10
